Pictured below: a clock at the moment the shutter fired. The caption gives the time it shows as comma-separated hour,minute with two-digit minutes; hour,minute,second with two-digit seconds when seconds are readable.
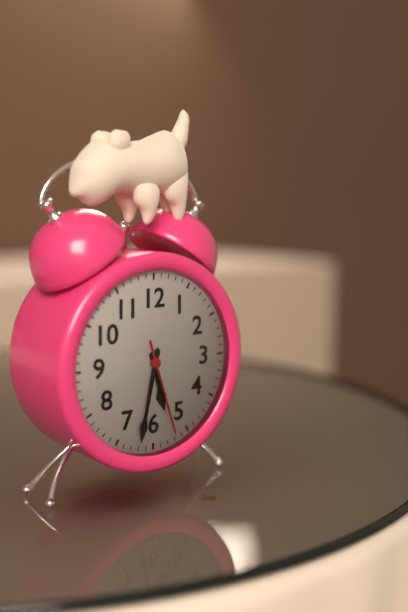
5,32,27
